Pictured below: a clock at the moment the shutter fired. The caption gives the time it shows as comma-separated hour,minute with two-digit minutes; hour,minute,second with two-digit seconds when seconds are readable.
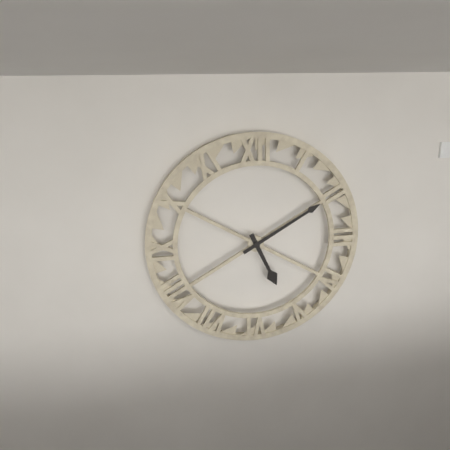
5,10
